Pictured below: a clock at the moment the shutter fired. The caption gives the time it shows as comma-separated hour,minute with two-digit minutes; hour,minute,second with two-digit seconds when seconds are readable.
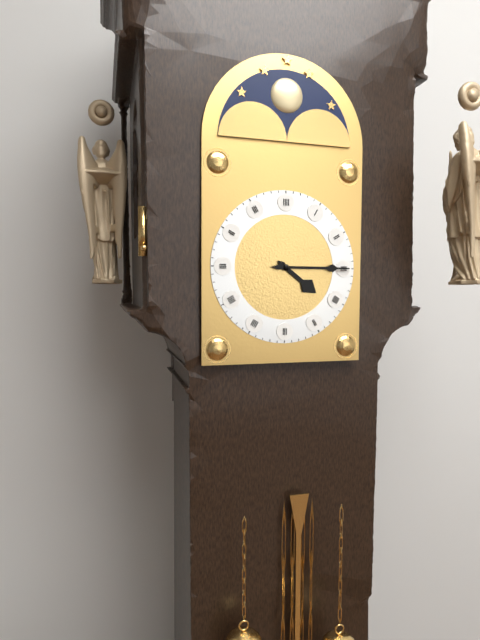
4,15
